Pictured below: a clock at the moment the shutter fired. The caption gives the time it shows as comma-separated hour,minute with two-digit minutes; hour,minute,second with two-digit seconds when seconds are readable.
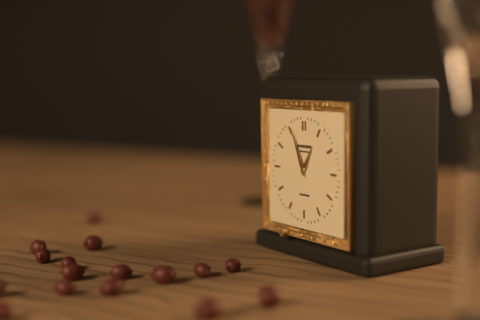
12,56
